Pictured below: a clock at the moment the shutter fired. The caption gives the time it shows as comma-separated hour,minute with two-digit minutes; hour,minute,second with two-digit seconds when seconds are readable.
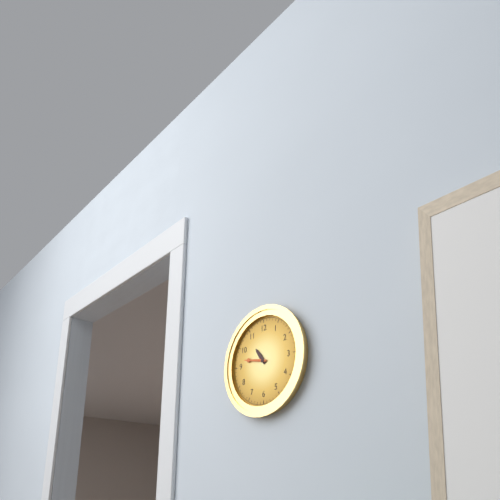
10,47
